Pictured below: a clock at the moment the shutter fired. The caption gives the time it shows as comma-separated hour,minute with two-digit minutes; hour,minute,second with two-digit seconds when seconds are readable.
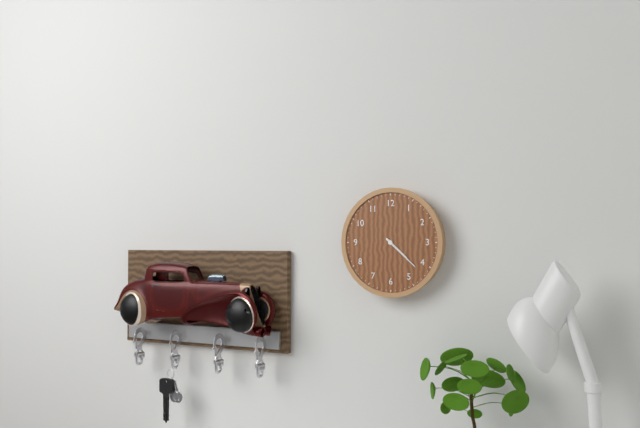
4,22
